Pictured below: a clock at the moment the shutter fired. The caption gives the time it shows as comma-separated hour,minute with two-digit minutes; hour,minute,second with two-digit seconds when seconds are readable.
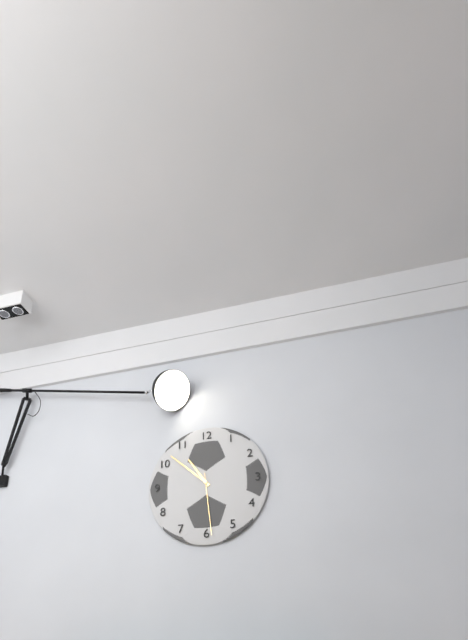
10,52,29
